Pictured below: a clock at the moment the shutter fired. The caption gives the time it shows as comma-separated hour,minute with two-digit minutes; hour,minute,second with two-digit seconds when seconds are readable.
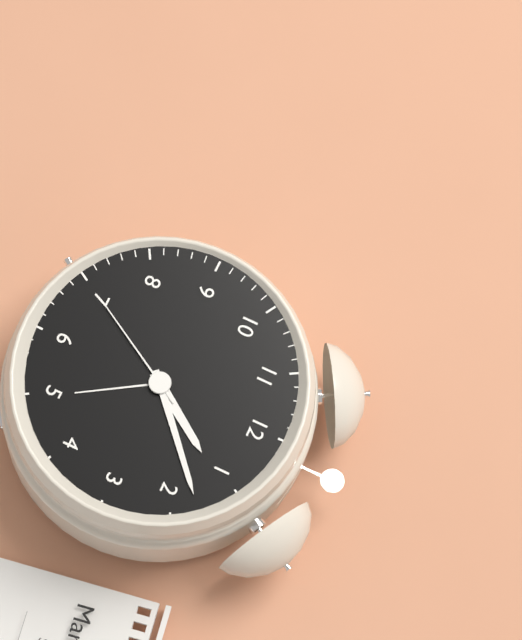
1,08,35
